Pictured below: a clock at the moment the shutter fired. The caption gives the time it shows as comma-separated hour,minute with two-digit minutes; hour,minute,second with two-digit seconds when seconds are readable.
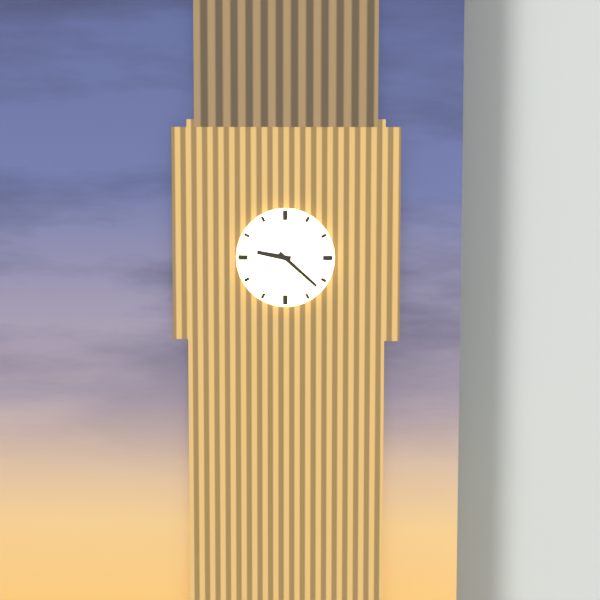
9,22
